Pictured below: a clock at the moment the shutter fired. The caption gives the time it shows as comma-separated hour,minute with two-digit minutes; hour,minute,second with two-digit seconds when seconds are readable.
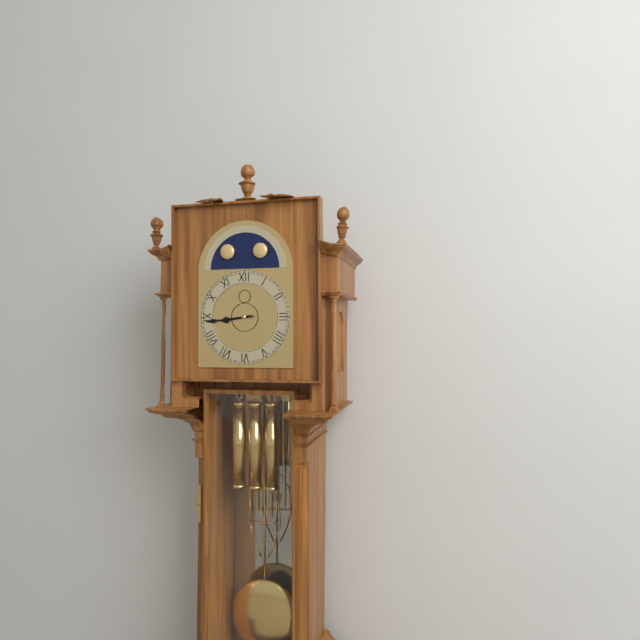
8,44
